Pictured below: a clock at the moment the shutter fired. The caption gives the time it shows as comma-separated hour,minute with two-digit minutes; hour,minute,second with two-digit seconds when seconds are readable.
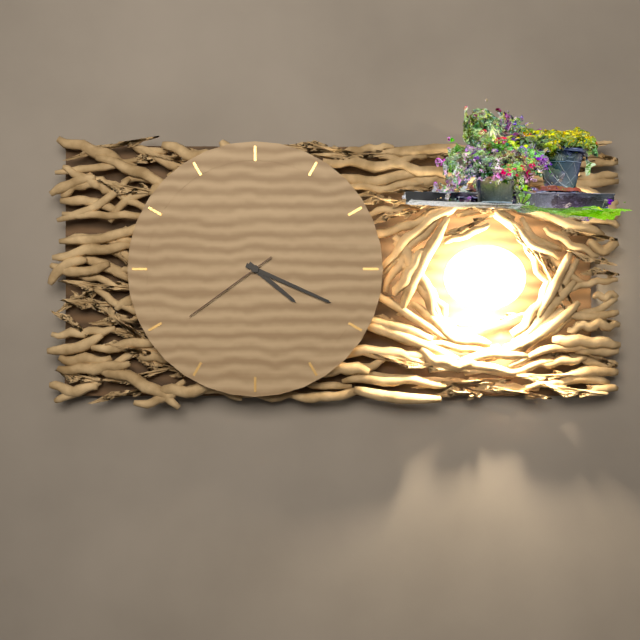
4,19,39
